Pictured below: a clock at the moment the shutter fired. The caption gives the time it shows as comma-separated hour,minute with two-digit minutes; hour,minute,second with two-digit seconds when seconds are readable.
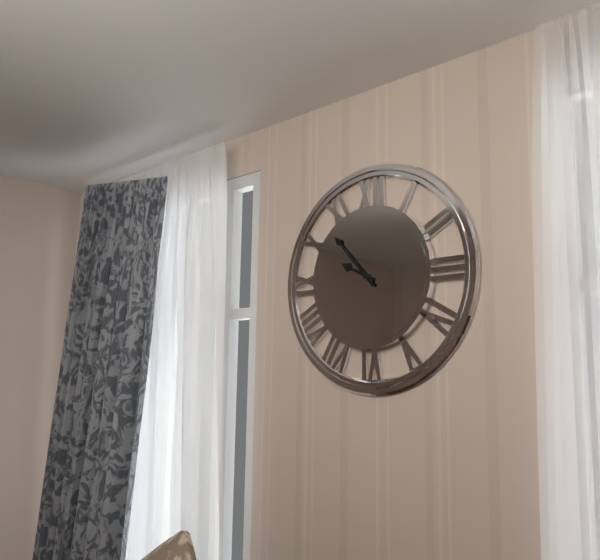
9,53
